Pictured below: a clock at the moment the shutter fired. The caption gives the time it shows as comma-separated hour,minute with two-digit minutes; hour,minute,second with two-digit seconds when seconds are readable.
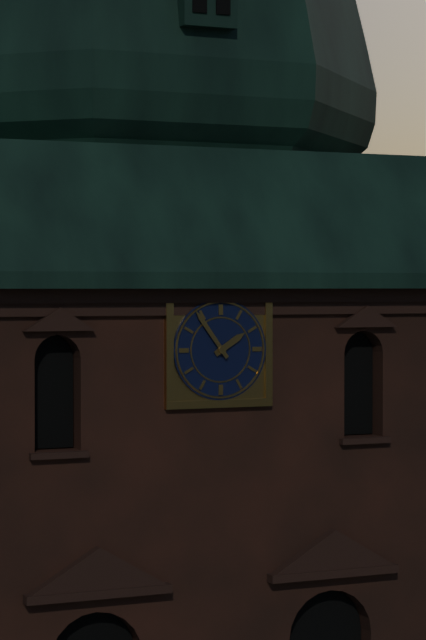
1,54
